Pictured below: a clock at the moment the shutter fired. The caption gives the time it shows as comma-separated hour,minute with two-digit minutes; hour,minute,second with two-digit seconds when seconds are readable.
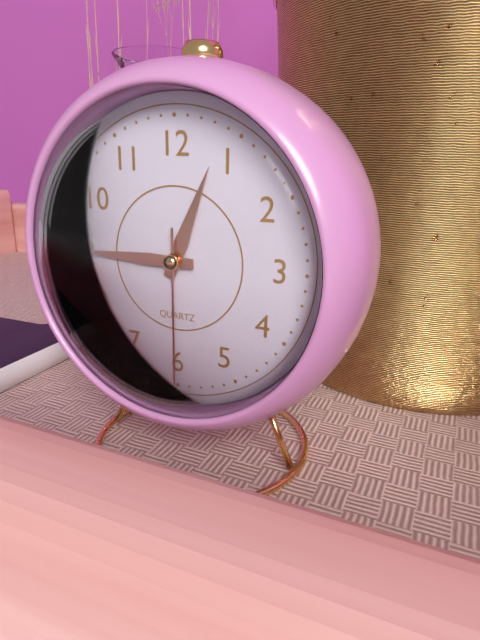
12,45,30
